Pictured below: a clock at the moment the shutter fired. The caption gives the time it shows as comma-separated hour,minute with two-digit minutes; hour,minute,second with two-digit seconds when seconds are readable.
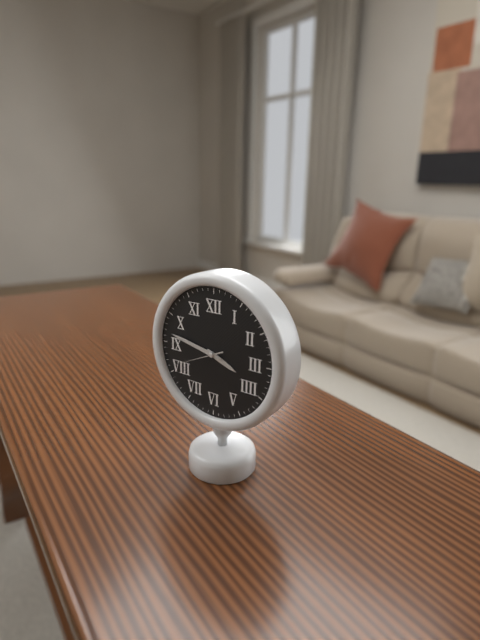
3,47,41
